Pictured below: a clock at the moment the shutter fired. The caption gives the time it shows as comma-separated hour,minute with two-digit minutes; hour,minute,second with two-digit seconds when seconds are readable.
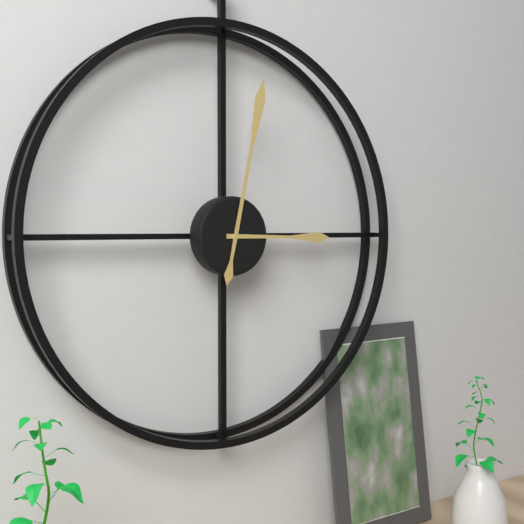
3,02
